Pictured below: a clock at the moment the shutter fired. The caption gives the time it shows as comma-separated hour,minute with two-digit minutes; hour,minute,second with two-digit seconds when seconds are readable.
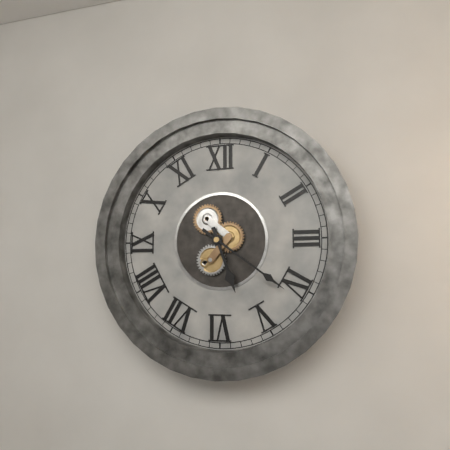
5,21
